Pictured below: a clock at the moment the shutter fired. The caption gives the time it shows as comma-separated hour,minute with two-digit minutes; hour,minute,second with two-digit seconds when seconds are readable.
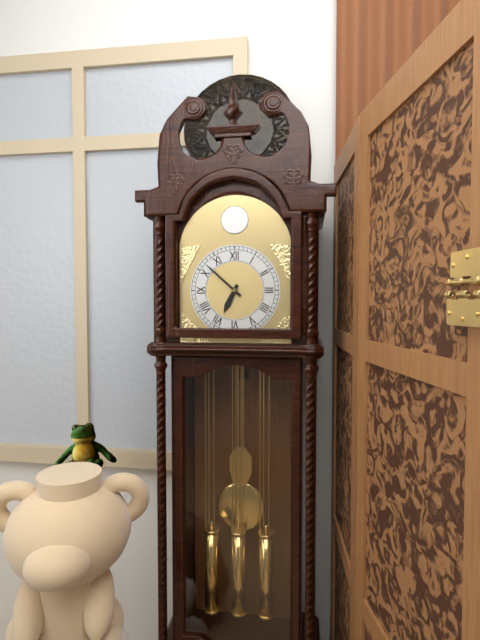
6,52
